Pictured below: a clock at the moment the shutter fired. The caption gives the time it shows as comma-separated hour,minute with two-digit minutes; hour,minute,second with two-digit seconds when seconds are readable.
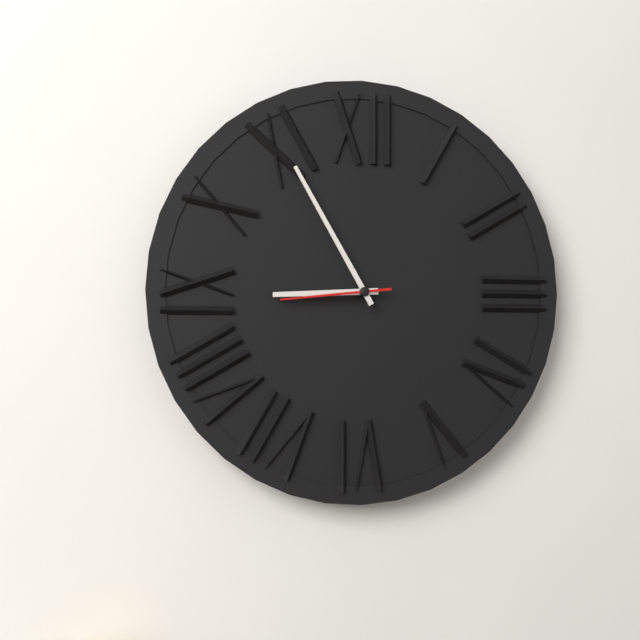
8,55,44
